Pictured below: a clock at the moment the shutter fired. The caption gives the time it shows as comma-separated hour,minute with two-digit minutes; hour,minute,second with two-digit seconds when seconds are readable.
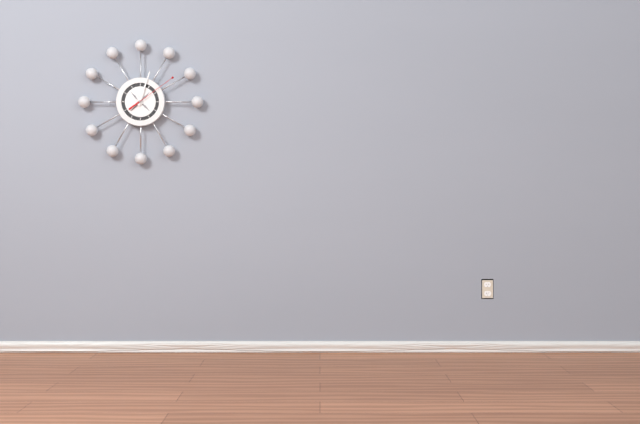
11,03,09
